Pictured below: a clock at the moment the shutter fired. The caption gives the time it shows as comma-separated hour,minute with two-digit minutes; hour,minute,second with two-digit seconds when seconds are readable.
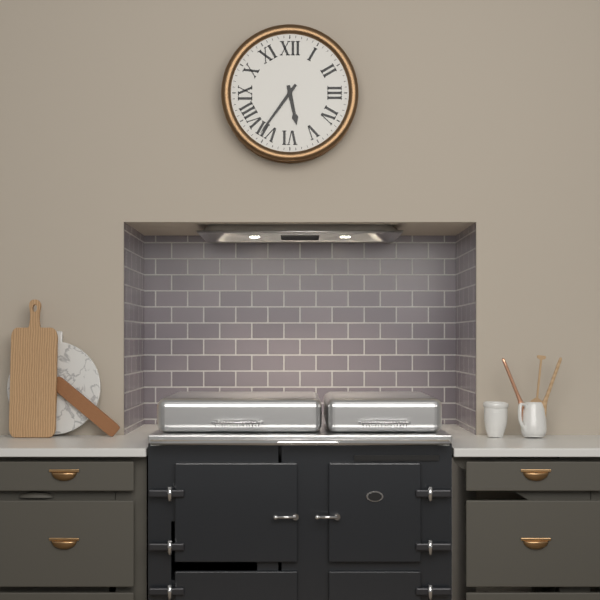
5,36
